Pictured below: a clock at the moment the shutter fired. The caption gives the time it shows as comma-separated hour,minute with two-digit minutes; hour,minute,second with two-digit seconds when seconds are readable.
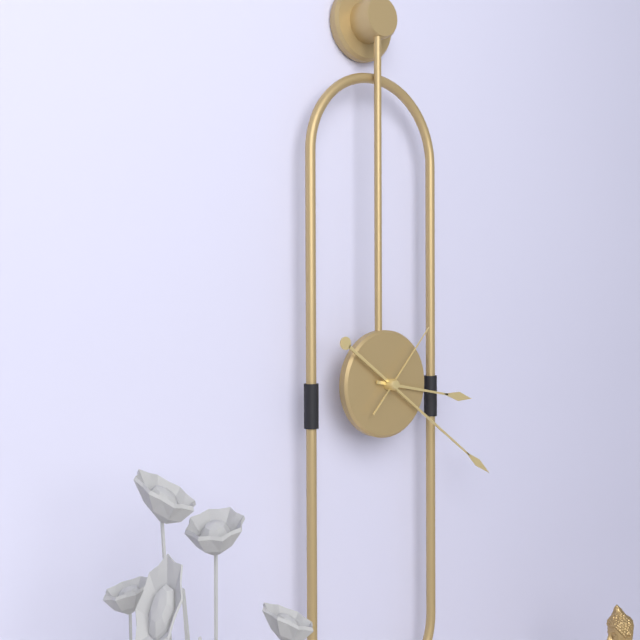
3,21,07
